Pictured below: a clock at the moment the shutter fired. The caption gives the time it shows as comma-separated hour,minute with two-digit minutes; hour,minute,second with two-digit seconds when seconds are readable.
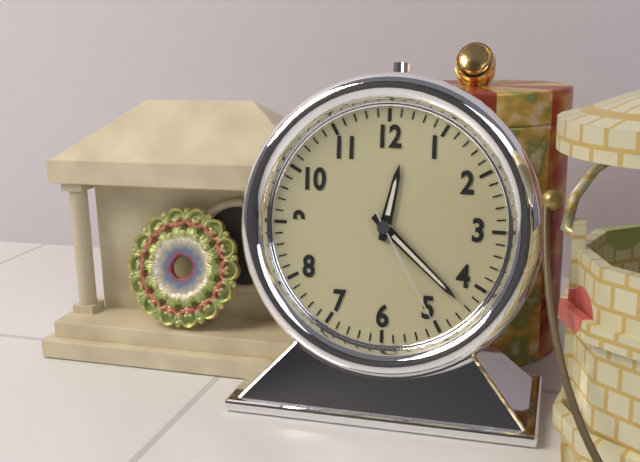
12,22,25
